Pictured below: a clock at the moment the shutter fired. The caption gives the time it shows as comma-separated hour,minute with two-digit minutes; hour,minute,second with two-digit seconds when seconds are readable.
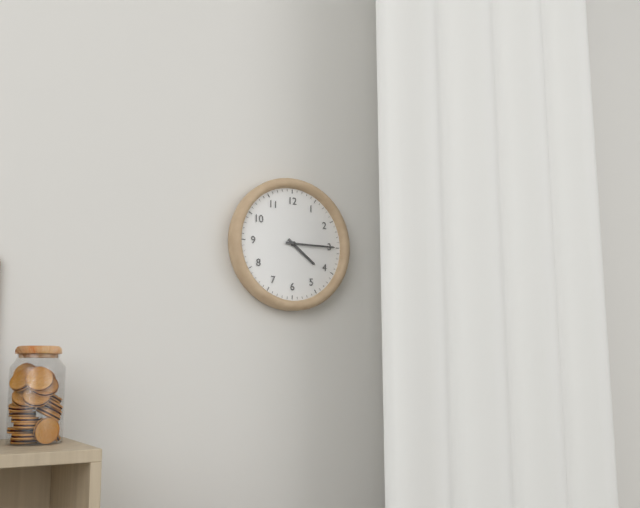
4,15
